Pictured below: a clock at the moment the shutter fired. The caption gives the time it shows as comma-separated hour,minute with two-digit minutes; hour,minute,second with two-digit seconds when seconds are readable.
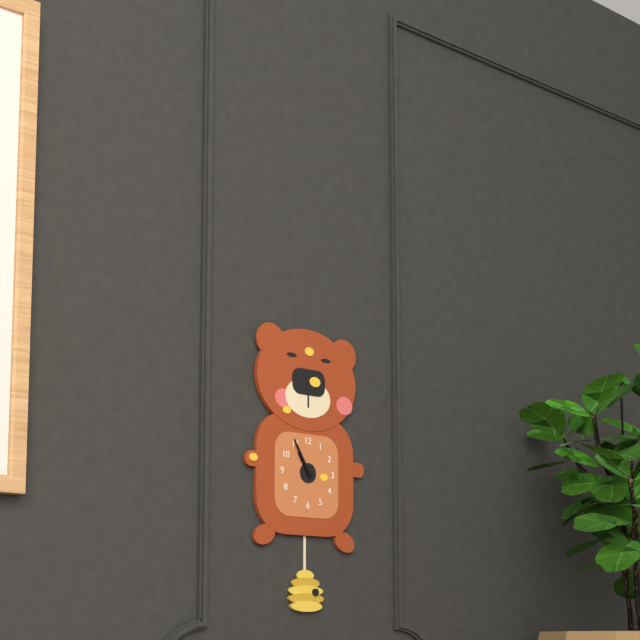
10,55
